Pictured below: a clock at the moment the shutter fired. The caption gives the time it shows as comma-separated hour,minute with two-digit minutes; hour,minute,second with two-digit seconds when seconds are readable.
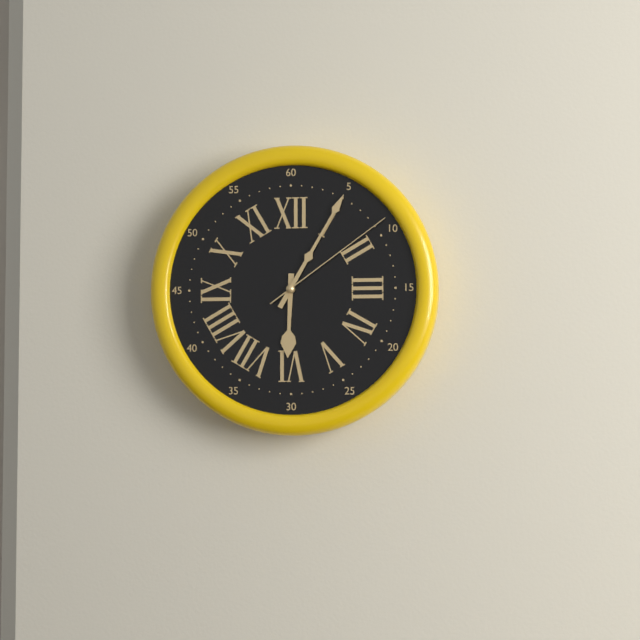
6,05,09
